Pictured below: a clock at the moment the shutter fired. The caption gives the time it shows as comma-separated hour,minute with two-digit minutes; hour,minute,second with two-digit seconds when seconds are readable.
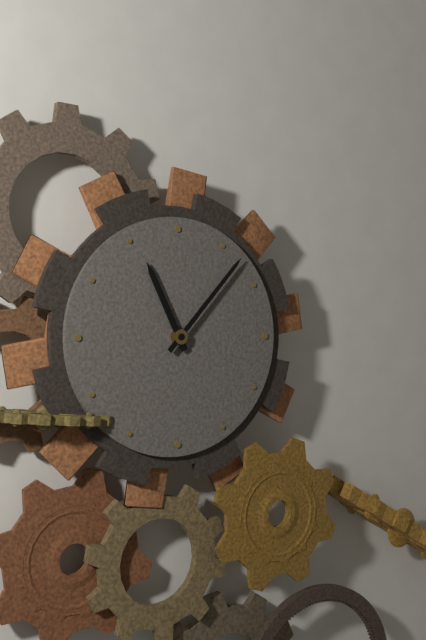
11,07
